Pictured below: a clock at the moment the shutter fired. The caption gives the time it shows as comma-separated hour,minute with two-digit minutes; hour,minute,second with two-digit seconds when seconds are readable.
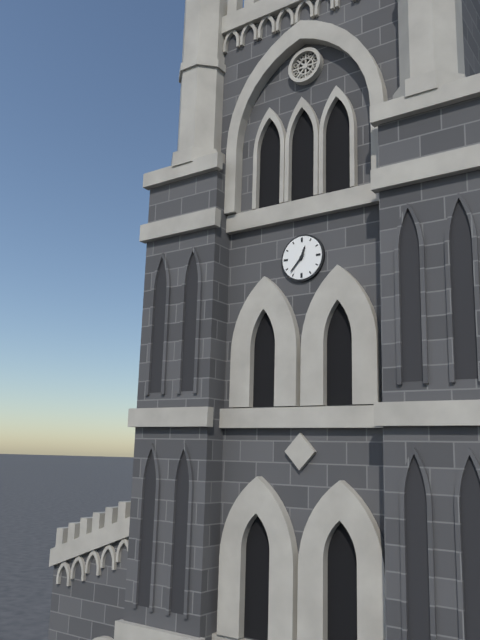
12,37
